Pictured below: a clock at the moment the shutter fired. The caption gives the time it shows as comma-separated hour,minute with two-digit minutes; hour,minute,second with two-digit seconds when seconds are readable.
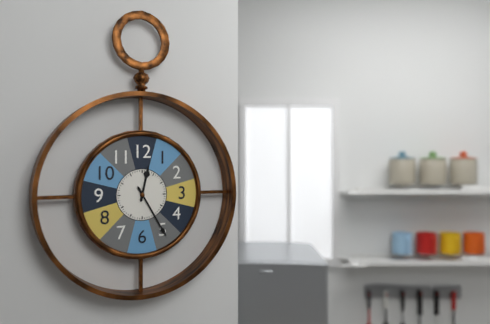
12,25
